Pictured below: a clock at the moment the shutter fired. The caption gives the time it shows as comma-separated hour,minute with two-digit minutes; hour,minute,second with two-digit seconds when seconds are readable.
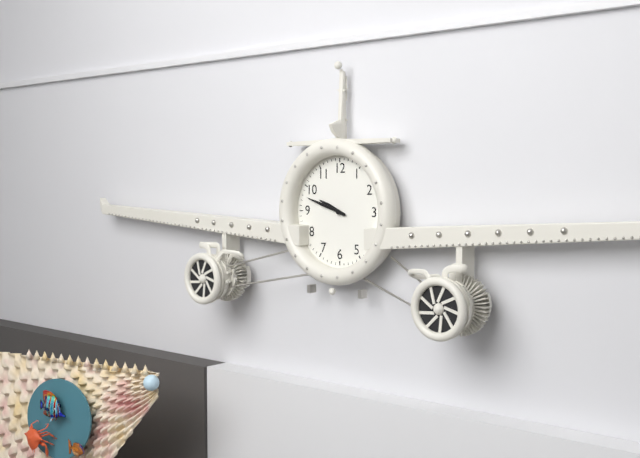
9,48
